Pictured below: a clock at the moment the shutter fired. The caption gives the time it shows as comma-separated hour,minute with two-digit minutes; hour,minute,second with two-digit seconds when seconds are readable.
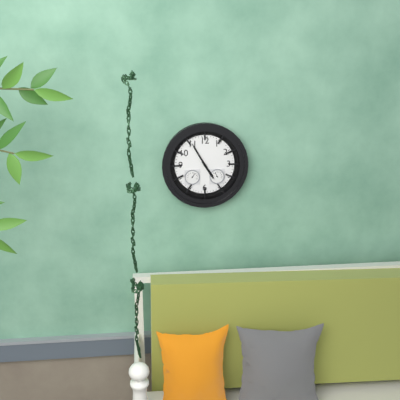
4,55
